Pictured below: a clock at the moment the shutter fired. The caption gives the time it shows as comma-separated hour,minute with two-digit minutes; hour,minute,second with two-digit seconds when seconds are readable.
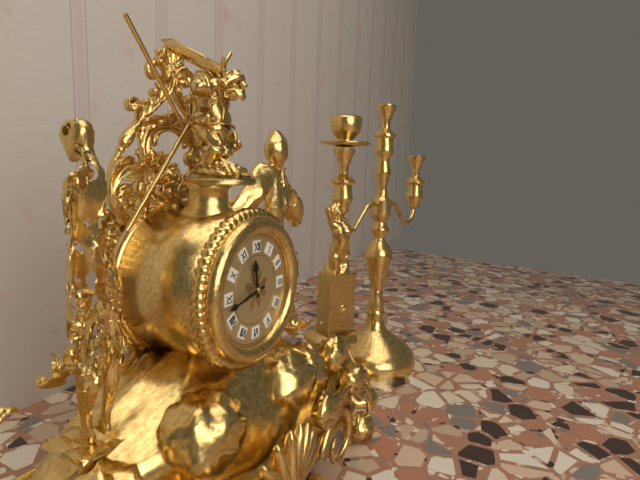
11,43
